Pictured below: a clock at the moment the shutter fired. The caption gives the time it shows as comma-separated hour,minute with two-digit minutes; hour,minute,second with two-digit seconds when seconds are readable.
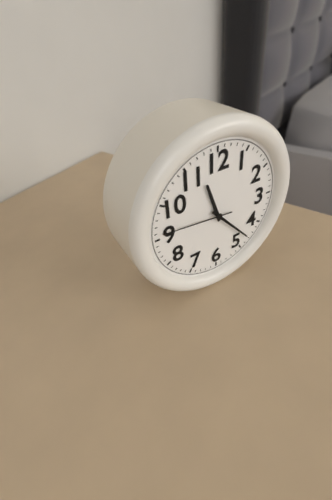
11,23,46
